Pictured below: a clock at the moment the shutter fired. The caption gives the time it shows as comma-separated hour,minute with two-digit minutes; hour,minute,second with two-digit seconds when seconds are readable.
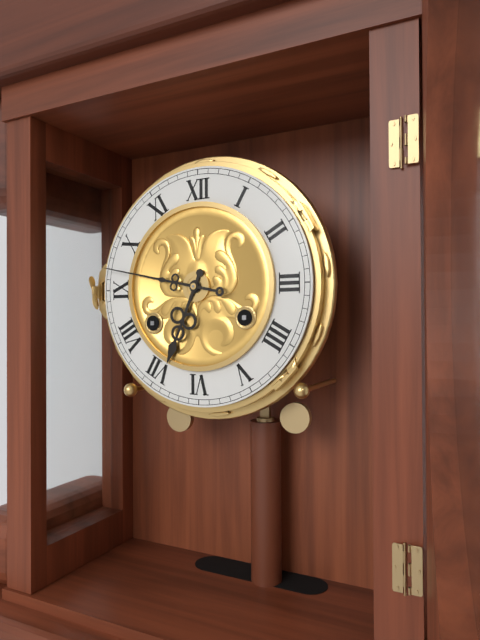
6,47
